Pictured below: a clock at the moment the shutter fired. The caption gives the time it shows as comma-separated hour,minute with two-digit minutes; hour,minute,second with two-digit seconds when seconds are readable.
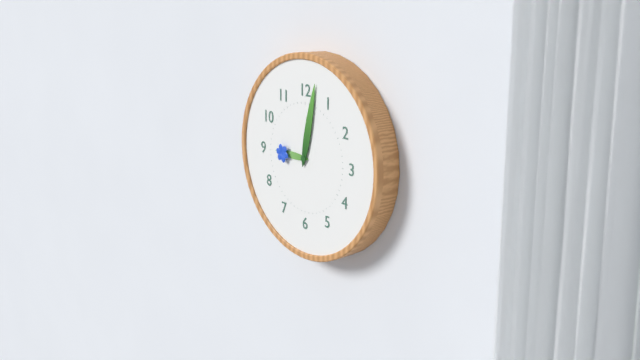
9,02
